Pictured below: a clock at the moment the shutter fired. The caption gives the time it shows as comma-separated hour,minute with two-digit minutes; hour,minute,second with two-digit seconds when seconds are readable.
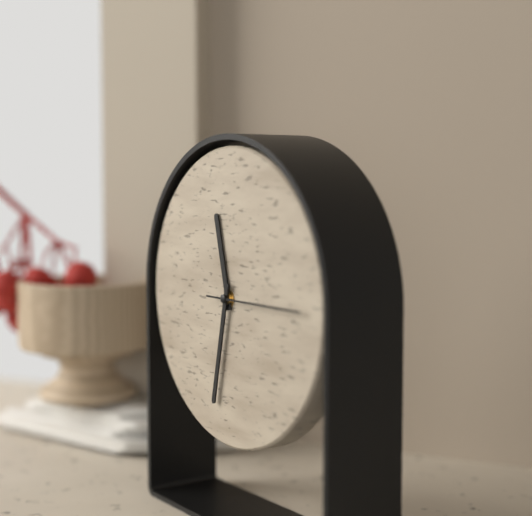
11,32,15
